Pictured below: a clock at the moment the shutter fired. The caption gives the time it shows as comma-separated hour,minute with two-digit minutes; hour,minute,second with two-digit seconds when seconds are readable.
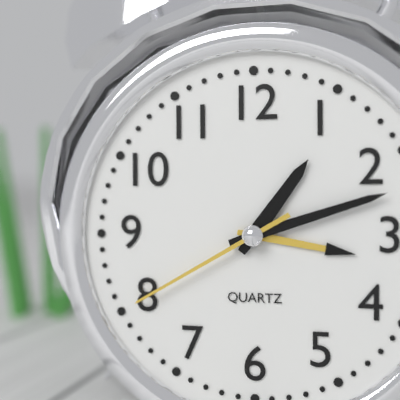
1,12,40
